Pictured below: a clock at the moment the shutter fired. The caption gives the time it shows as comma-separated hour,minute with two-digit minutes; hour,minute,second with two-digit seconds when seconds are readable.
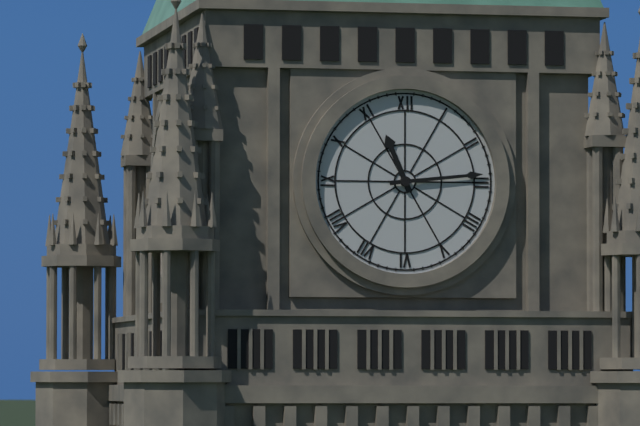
11,14
